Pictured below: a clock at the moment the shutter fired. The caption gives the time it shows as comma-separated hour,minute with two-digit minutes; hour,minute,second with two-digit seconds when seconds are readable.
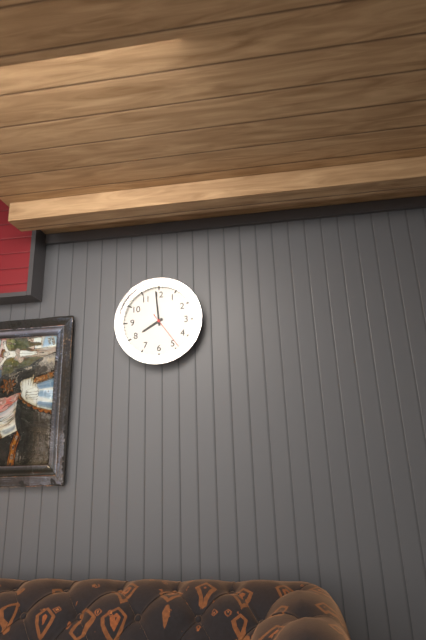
7,59
